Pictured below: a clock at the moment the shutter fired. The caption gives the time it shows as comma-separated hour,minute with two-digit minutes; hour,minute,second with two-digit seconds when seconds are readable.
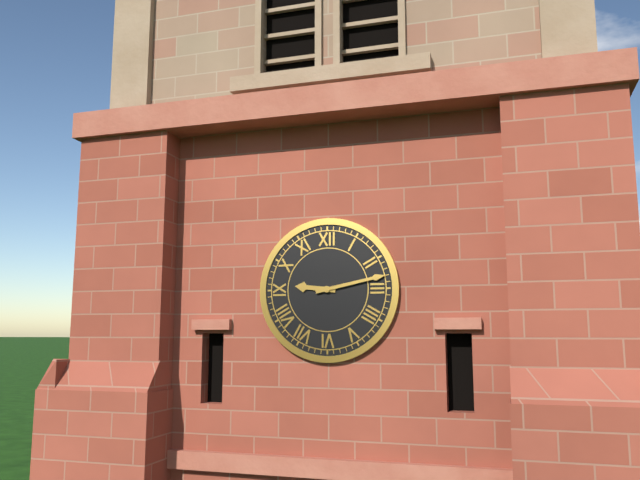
9,13
